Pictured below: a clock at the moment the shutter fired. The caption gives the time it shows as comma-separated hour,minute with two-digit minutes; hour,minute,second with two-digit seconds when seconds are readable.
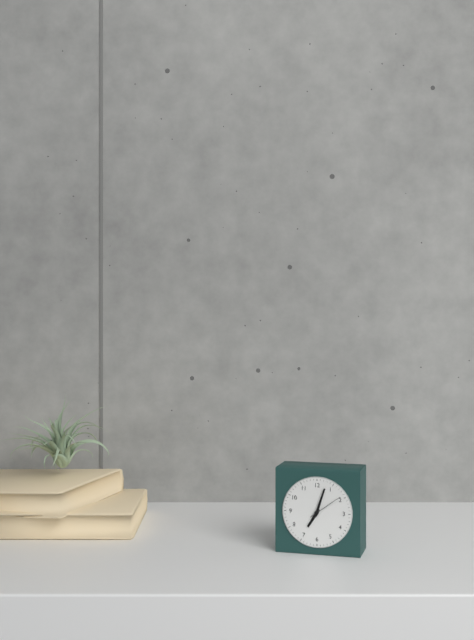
7,03
